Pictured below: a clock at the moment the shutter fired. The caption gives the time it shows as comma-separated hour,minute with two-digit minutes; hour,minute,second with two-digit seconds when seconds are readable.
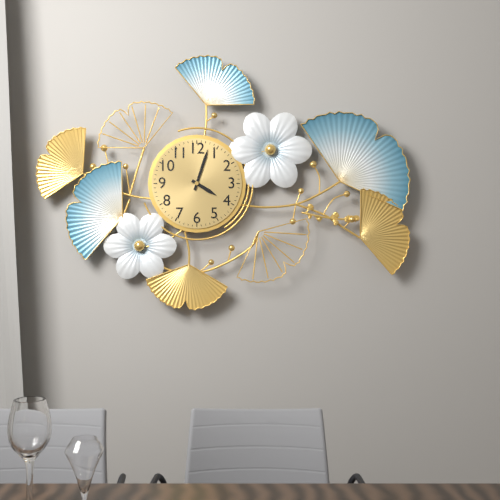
4,03
